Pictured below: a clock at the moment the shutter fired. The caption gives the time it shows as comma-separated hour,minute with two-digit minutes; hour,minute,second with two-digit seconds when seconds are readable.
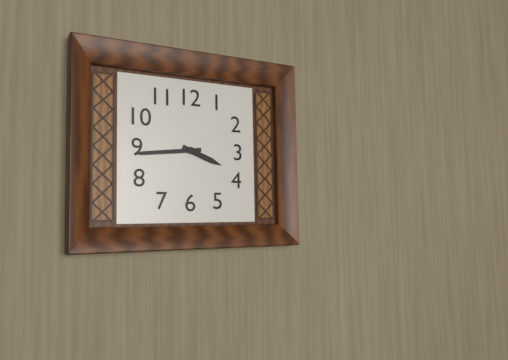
3,44
